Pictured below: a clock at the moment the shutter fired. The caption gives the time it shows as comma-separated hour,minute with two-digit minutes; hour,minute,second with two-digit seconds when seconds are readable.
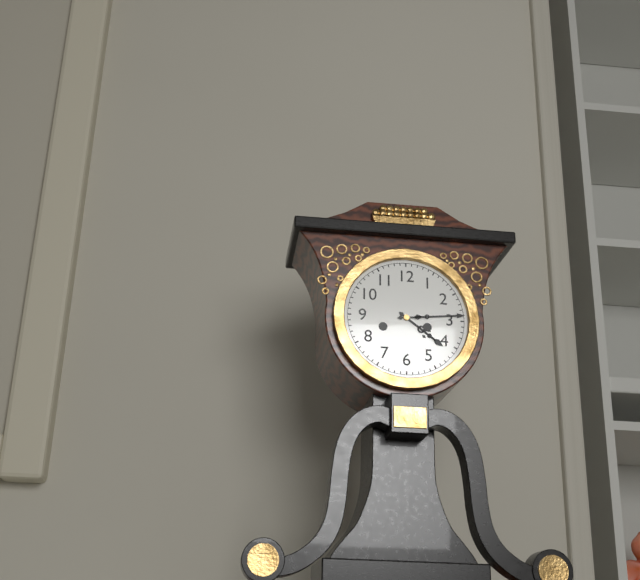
4,14
